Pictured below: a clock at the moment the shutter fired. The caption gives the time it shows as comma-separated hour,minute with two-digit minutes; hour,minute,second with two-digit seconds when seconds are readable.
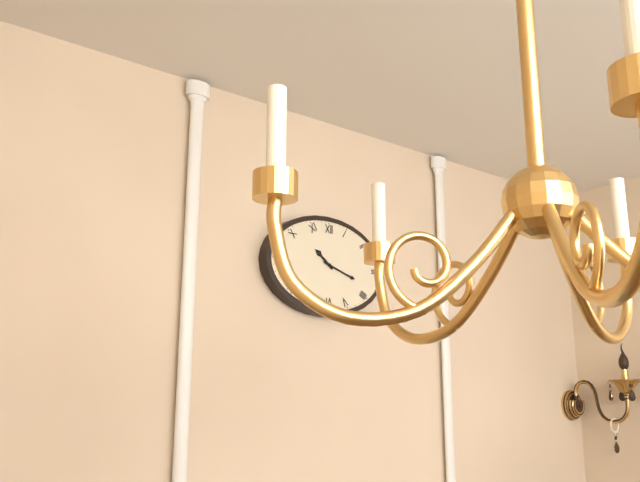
10,18
